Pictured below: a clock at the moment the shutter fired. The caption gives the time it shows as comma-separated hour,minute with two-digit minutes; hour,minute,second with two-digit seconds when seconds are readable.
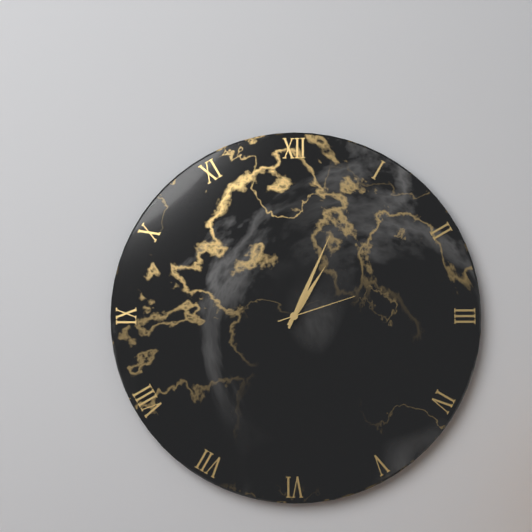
1,04,12
